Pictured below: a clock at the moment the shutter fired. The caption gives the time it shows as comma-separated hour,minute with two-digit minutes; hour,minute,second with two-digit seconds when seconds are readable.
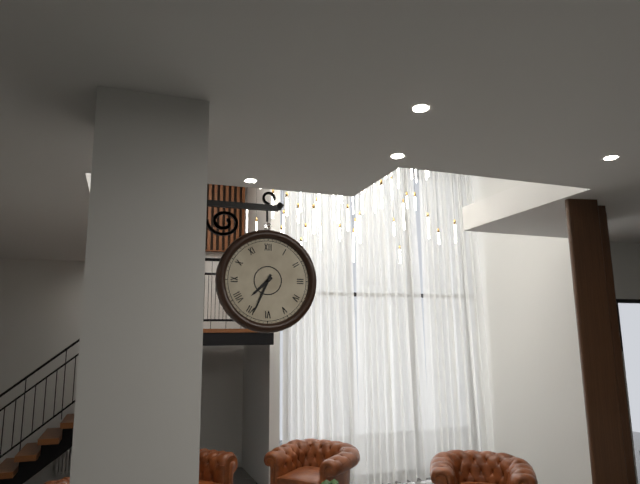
7,34
